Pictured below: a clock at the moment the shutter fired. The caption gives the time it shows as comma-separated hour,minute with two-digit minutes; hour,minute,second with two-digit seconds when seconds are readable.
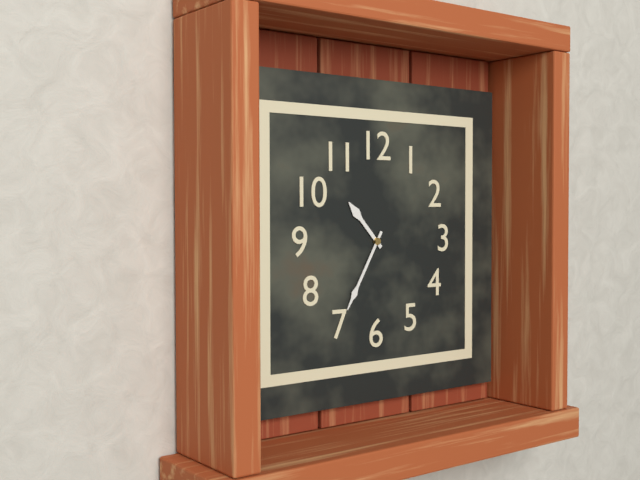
10,35
